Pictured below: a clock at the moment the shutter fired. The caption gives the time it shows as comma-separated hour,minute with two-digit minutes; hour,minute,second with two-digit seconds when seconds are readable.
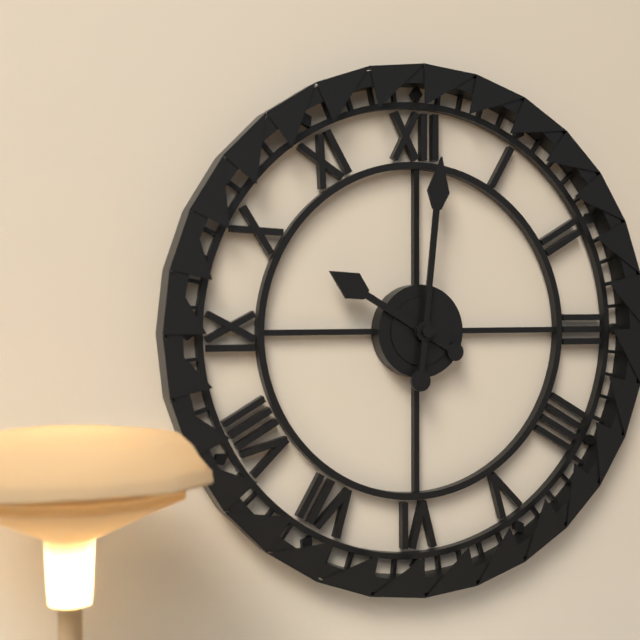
10,01
